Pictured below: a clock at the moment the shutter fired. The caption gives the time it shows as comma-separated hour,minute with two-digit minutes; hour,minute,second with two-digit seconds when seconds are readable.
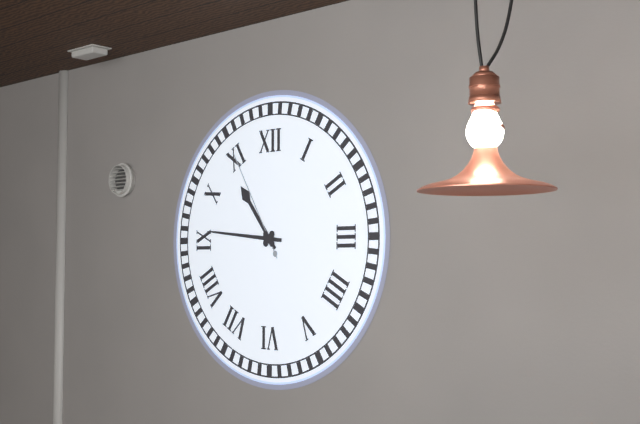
10,46,55
